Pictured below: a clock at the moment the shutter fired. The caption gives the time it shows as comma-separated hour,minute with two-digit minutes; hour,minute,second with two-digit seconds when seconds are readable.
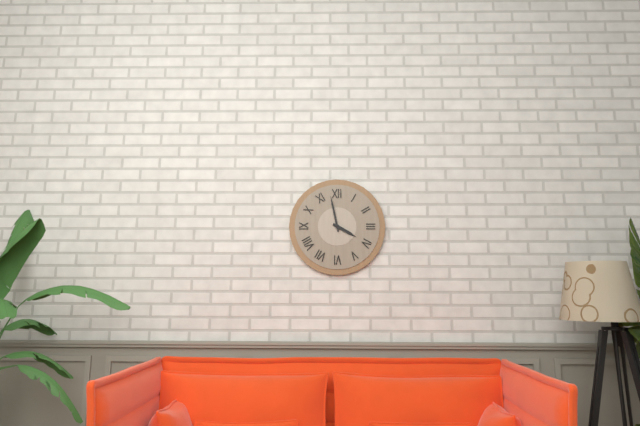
3,58
